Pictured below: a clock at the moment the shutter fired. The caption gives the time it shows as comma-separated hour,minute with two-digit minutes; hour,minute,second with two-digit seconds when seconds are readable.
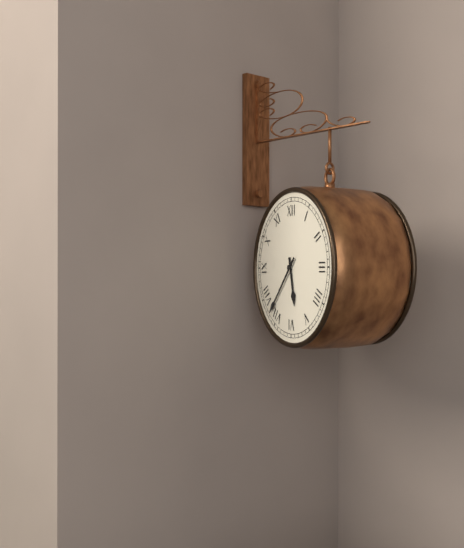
5,37
